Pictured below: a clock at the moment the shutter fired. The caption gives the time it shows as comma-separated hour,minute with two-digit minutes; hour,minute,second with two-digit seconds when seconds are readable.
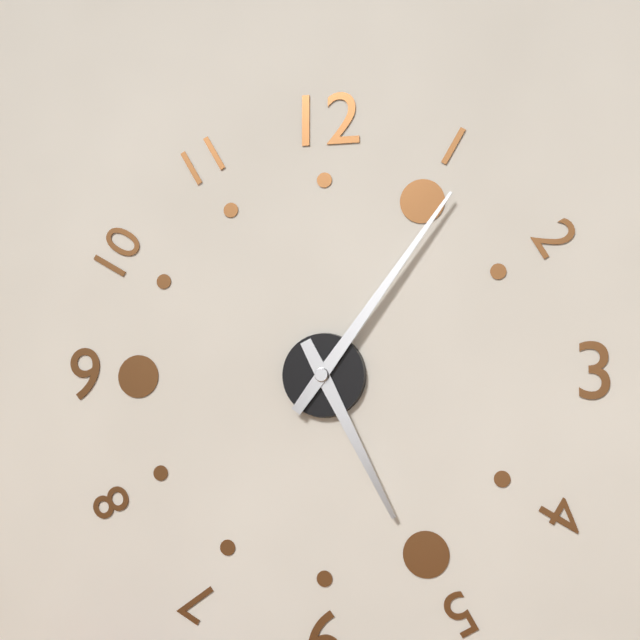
5,06
